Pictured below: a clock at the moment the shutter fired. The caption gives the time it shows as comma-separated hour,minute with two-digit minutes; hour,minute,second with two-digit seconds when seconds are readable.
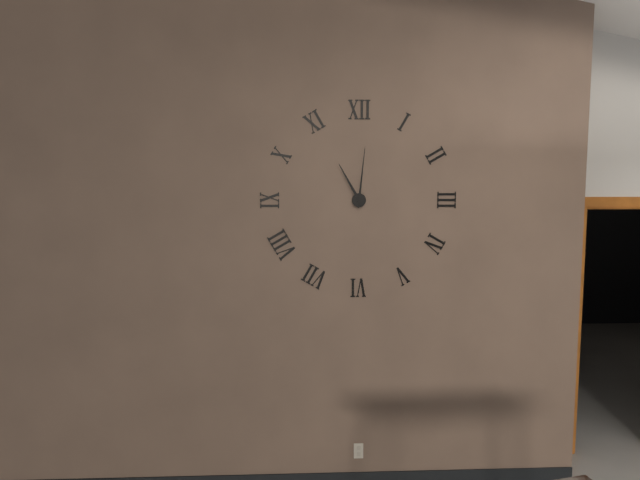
11,01
